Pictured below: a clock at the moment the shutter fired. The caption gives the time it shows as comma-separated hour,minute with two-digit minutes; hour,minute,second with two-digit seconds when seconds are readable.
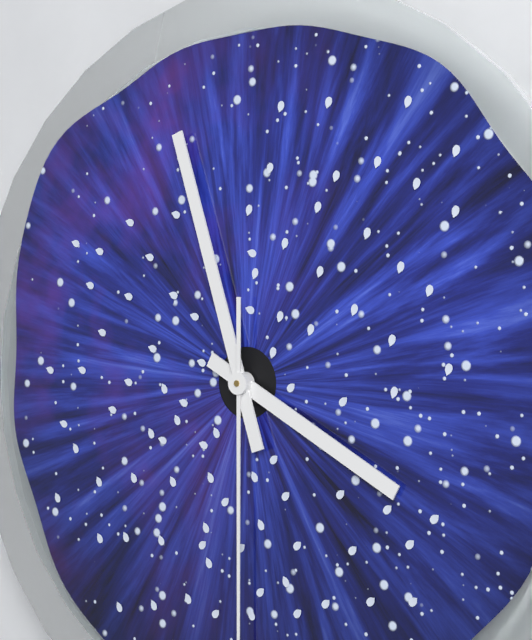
3,57
